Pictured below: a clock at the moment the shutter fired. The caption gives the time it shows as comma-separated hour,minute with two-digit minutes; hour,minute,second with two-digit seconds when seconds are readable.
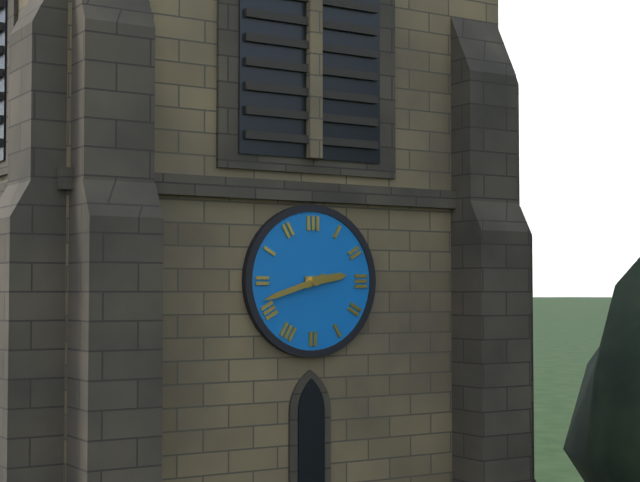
2,42
